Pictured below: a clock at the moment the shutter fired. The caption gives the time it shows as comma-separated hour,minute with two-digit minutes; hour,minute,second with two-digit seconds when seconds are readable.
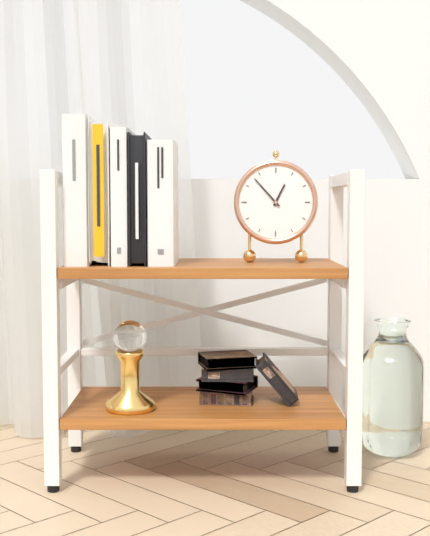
12,53
